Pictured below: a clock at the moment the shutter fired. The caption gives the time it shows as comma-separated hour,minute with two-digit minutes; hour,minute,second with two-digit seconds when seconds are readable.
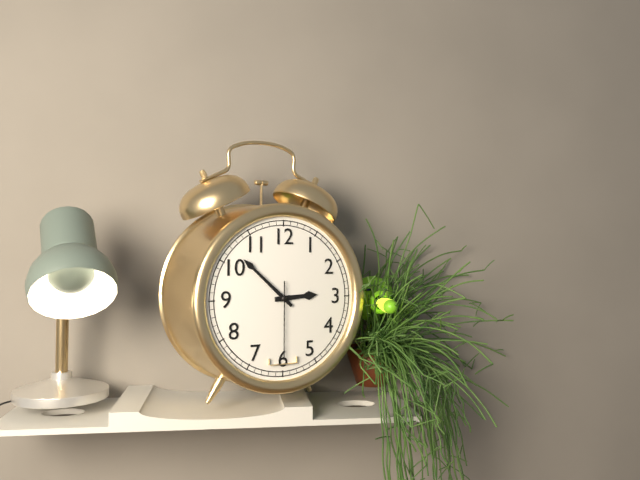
2,52,30
